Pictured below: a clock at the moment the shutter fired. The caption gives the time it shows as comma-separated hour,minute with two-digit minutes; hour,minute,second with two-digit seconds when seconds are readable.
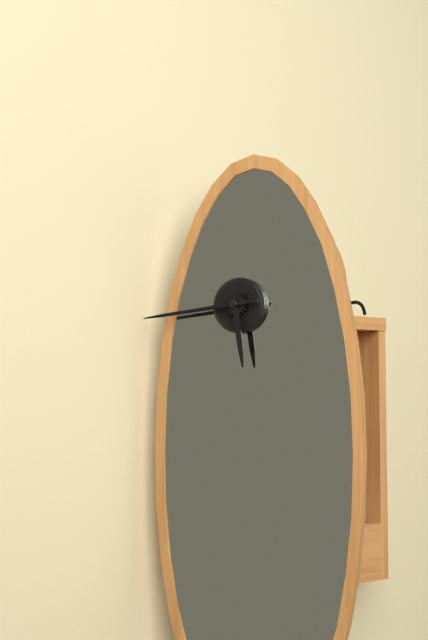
5,44,44
